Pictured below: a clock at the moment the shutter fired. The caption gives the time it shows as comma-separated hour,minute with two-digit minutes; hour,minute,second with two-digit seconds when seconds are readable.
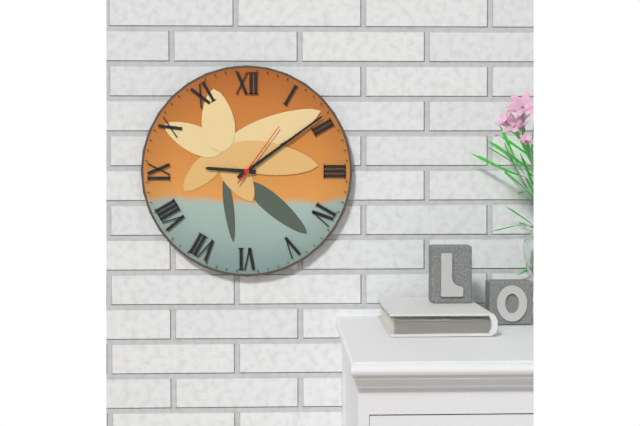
9,09,06
